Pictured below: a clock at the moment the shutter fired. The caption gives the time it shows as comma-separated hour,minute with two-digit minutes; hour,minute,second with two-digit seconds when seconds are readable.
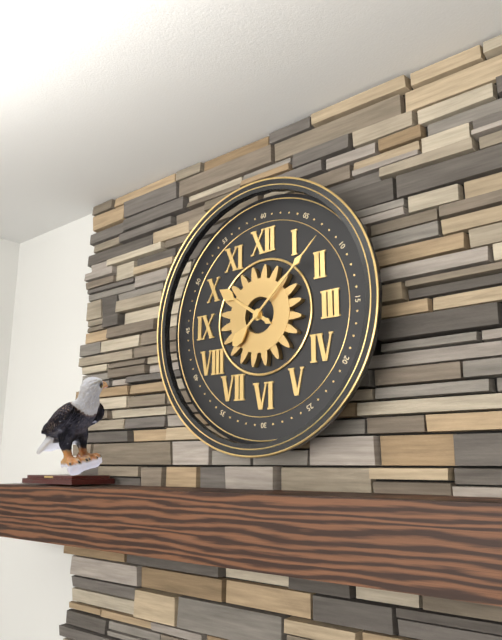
10,08
